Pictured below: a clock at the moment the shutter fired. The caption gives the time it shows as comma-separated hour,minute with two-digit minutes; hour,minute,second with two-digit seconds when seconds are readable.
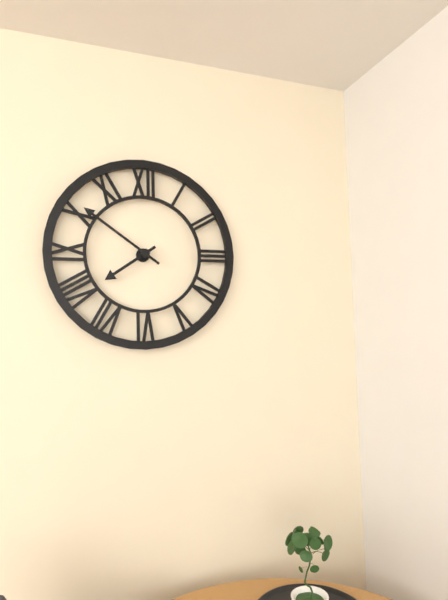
7,51
